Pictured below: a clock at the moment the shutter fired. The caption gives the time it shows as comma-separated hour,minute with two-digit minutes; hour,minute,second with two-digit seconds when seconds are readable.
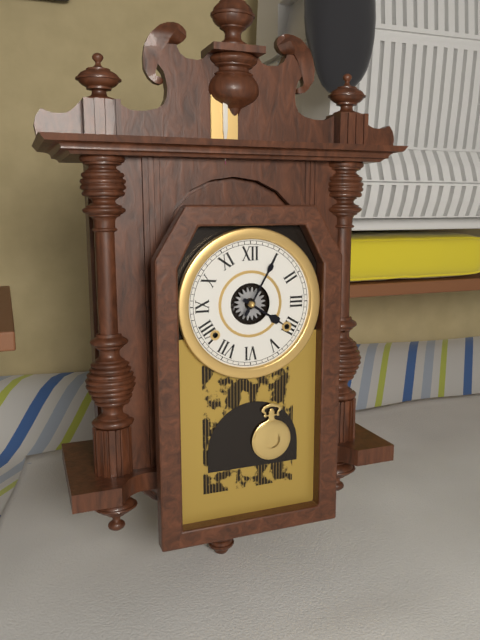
4,05
